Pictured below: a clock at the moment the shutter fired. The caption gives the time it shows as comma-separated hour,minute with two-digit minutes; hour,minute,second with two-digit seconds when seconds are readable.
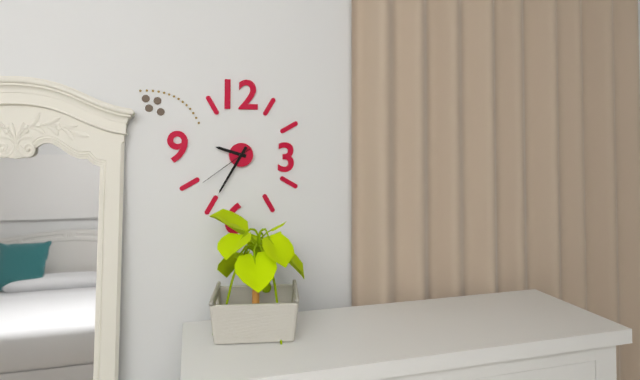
9,35,39
